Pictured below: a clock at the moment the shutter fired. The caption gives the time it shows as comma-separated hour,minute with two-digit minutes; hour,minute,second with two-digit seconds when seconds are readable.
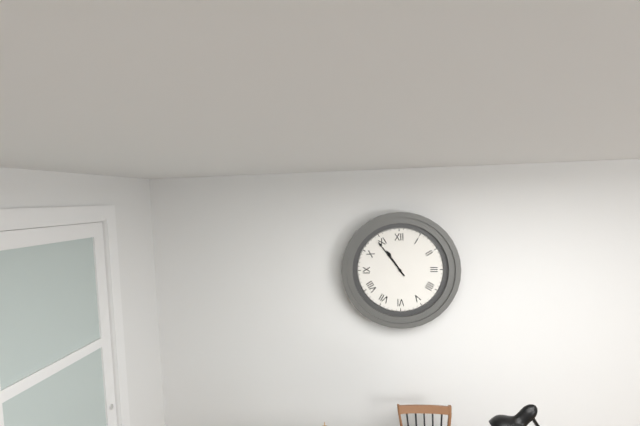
10,54
